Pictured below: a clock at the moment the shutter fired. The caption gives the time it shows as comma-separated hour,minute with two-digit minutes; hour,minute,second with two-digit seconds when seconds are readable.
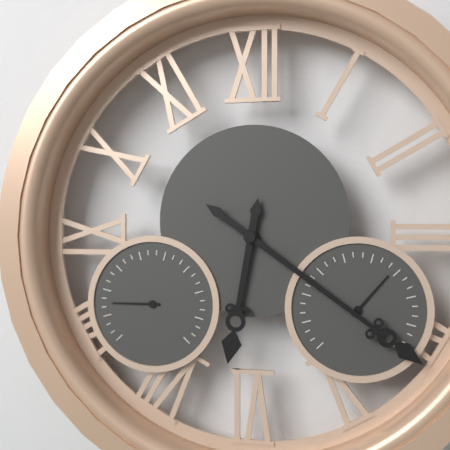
6,21
